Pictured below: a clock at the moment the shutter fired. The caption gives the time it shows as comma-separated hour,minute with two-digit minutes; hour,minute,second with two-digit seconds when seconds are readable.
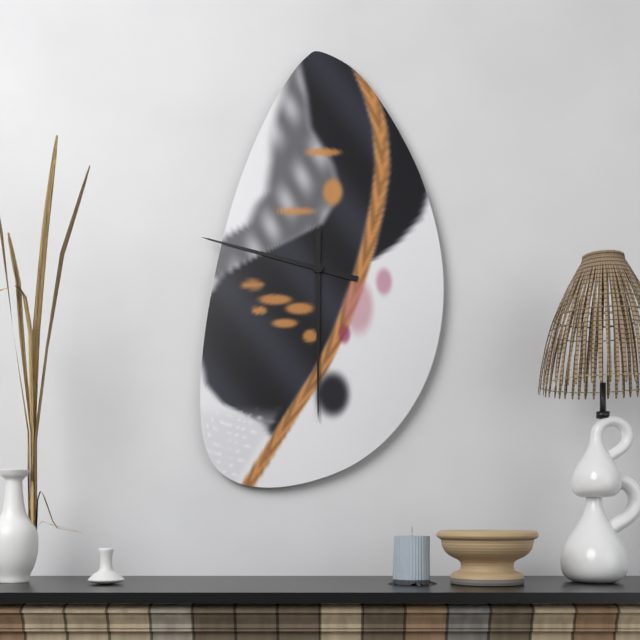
9,30
